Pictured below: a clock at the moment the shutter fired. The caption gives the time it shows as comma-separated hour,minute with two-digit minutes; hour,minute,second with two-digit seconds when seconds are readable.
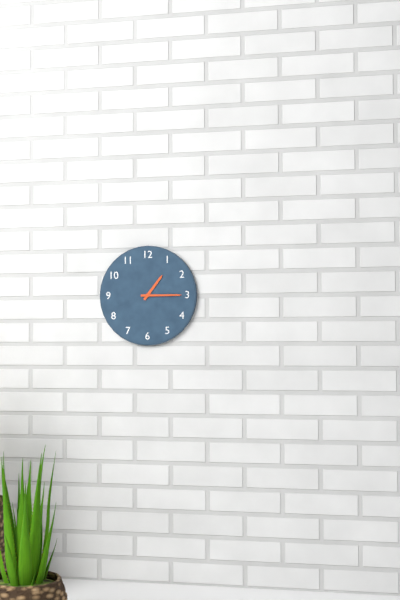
1,15
